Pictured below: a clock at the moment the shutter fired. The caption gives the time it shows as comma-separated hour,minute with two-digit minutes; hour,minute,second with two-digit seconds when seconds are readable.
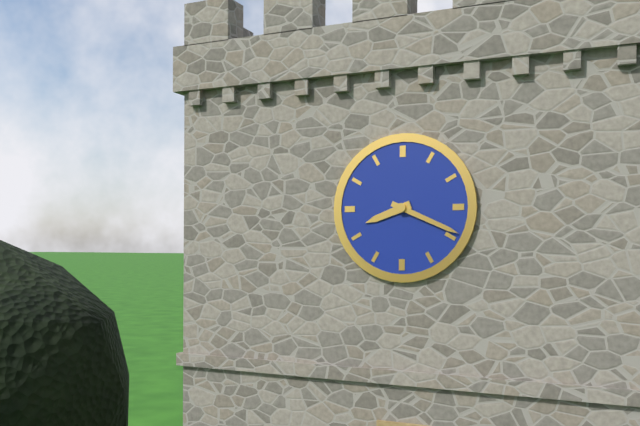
8,19
